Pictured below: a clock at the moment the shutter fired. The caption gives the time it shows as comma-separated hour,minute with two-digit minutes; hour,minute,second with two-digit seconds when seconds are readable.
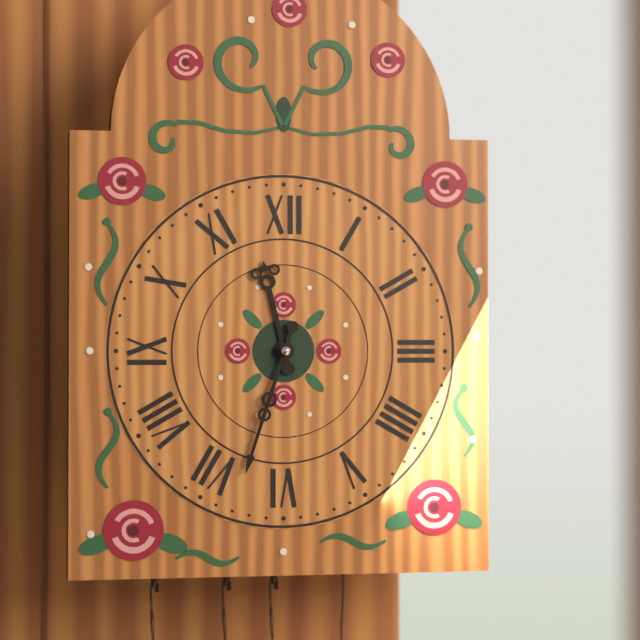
11,33
